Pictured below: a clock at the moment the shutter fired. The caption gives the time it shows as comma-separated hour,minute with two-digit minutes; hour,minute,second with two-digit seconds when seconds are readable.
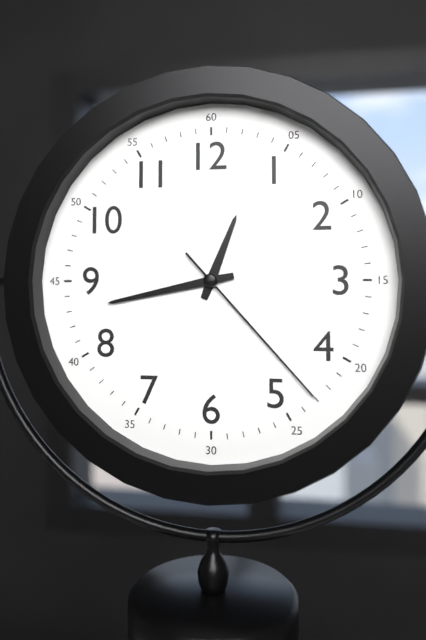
12,43,23
